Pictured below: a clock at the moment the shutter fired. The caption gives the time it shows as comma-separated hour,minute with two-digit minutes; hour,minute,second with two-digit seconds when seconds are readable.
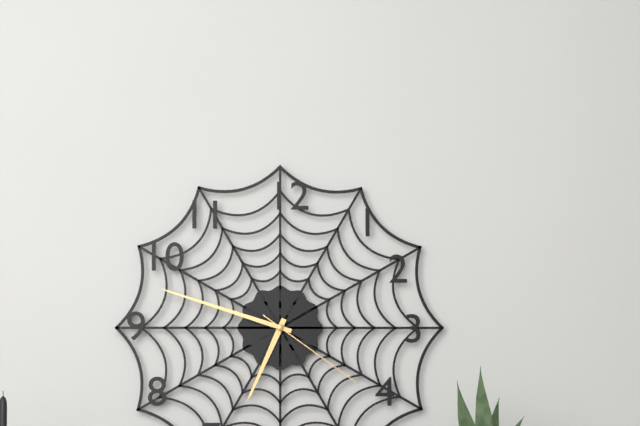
6,48,21
